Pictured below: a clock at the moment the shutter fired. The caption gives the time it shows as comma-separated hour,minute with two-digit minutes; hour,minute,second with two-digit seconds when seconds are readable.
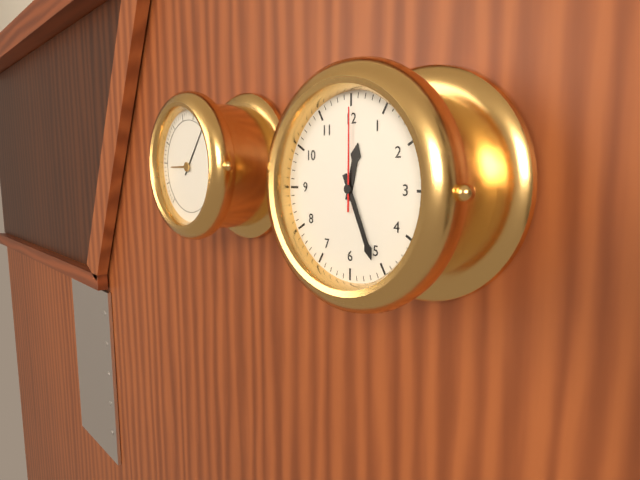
12,26,00
